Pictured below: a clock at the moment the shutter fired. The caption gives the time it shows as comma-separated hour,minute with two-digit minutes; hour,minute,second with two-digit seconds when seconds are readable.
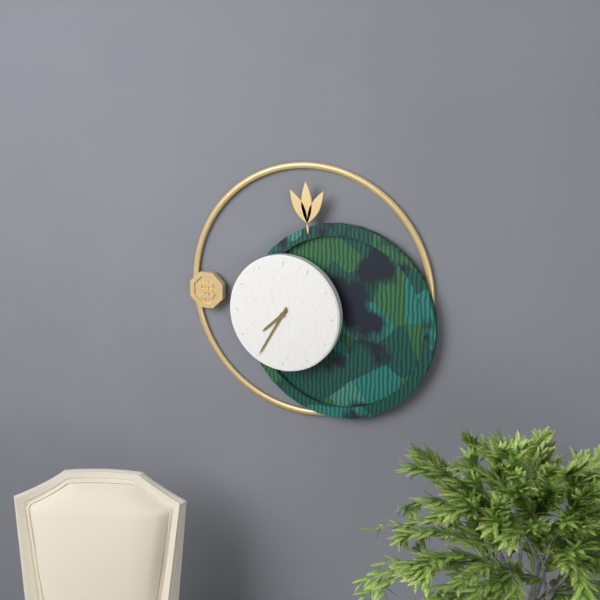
7,35
